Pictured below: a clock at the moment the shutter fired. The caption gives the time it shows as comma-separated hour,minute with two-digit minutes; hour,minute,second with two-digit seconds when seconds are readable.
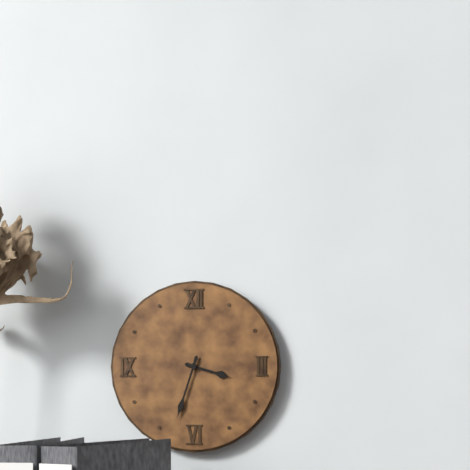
3,33
